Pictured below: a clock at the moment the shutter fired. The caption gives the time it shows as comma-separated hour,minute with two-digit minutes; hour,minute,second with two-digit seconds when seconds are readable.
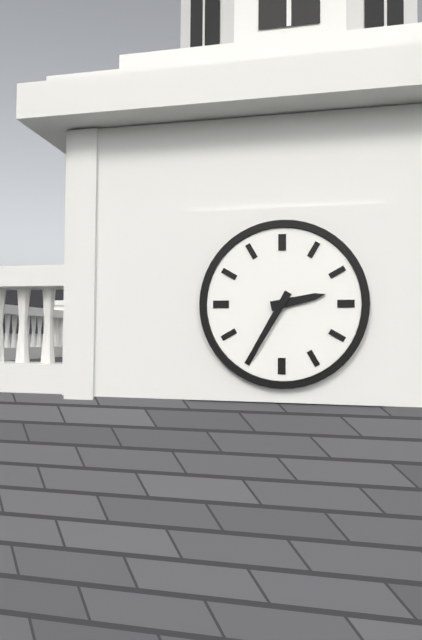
2,35
